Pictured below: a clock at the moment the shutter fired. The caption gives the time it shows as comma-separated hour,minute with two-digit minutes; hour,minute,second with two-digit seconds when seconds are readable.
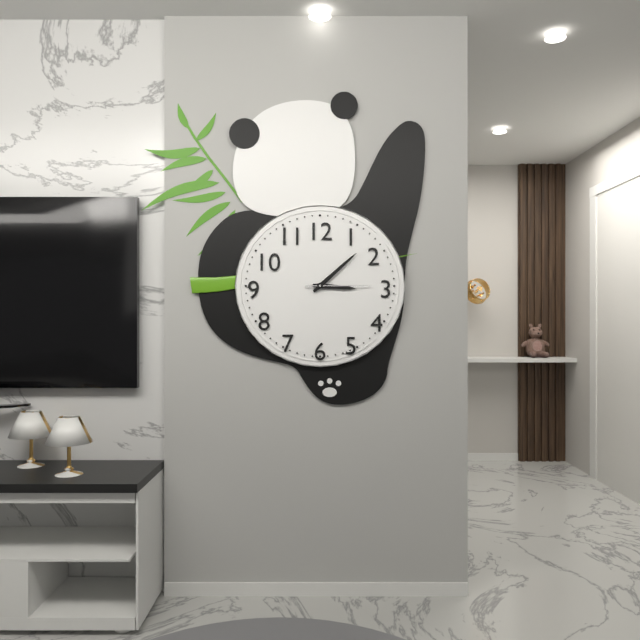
3,08,15
